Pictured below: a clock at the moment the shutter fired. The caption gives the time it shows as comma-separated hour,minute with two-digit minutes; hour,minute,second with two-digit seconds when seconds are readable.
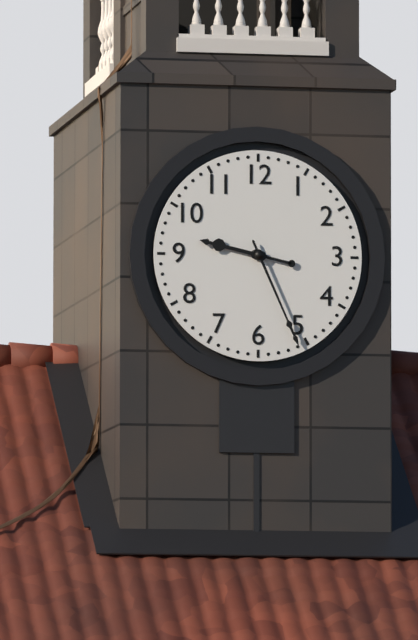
9,26
